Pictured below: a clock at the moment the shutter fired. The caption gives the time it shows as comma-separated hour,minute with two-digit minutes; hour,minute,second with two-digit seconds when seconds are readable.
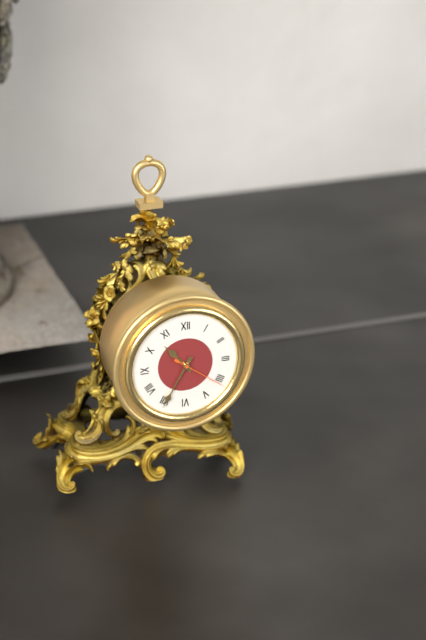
10,35,21
